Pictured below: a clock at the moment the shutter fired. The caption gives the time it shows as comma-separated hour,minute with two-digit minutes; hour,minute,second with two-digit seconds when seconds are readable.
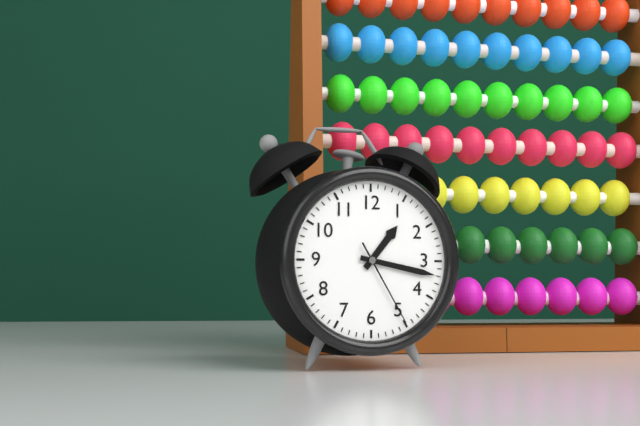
1,17,25
